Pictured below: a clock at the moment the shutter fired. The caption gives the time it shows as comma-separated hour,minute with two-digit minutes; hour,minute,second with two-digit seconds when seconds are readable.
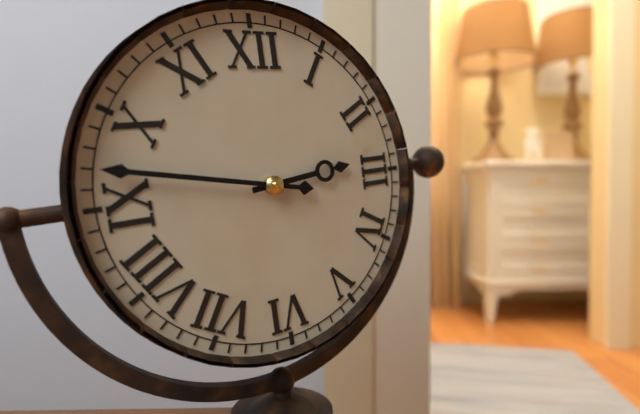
2,47
